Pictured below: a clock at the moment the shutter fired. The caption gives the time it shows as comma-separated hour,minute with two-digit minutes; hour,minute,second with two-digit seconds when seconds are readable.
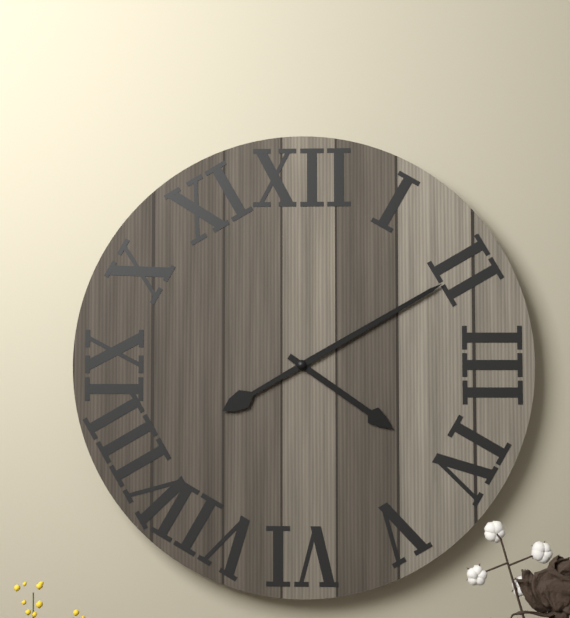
4,10
